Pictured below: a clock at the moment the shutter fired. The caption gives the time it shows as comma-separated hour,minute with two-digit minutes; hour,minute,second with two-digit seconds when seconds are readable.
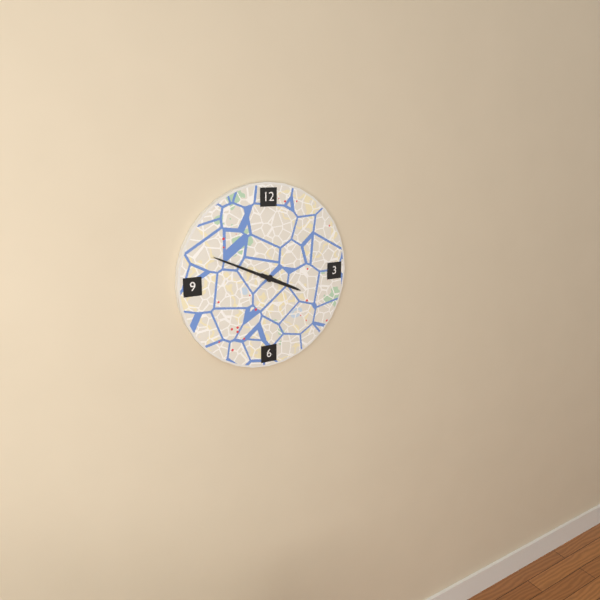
3,49
